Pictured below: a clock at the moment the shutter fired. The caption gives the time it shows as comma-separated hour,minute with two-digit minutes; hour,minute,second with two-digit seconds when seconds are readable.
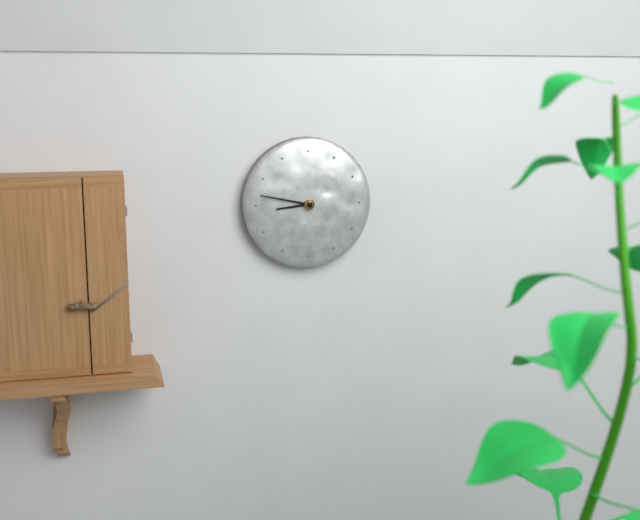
8,47
